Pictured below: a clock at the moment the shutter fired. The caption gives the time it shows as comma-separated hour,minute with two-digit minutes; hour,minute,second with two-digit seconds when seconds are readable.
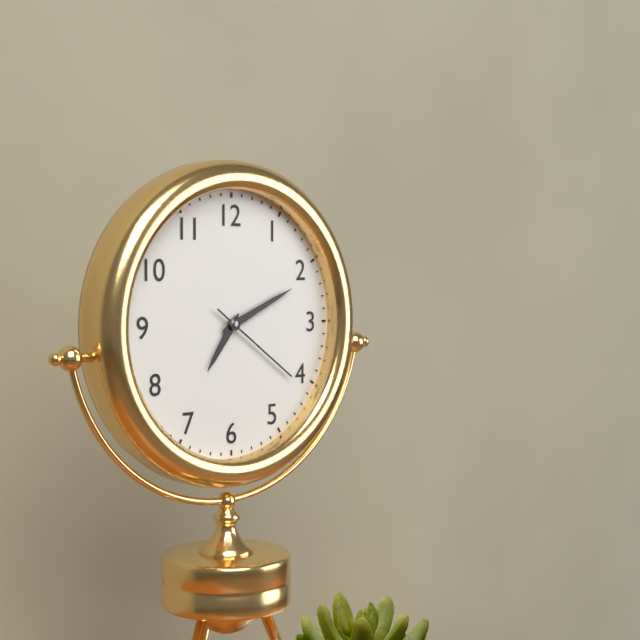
7,11,21
